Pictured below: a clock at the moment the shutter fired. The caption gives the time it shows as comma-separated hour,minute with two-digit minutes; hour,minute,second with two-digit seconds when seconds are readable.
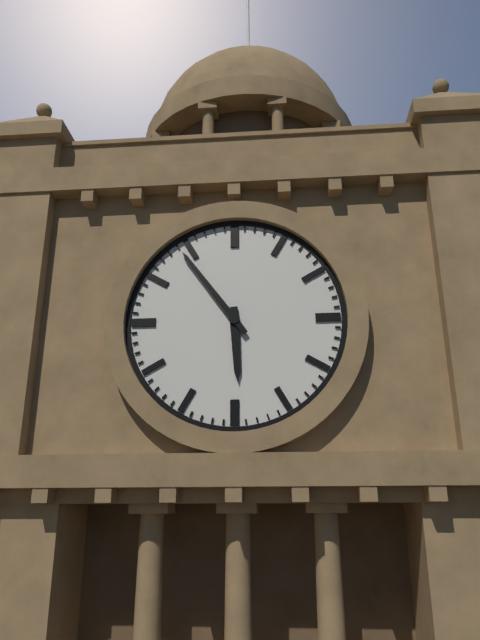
5,54
